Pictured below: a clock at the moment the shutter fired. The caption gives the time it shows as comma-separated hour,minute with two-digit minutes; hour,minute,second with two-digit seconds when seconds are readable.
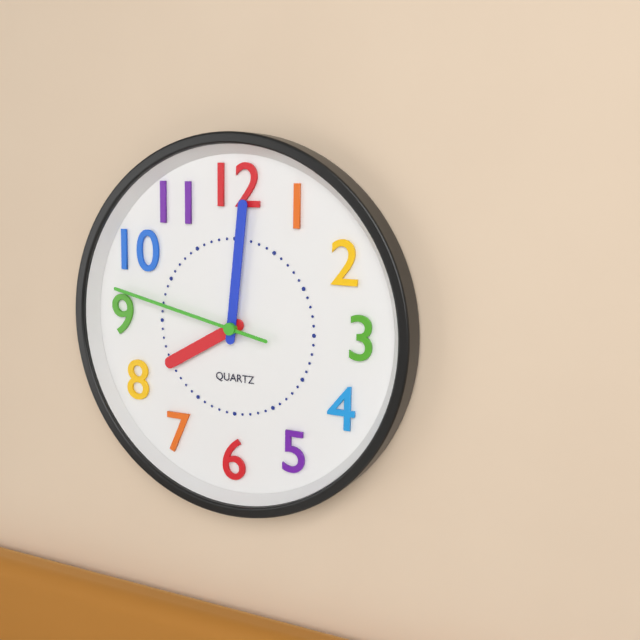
8,01,47
